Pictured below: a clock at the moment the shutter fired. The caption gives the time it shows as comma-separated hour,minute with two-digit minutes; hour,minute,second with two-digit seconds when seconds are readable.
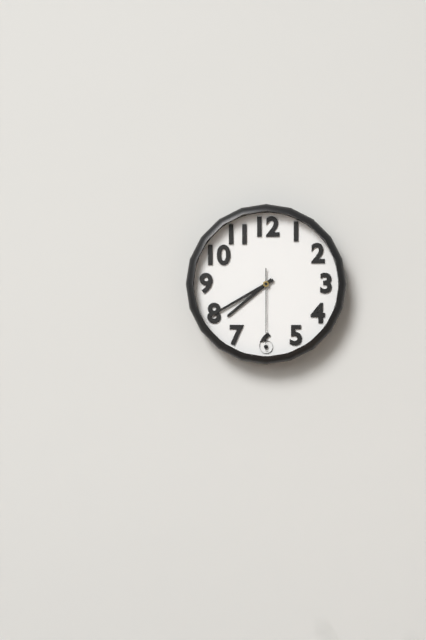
7,40,30
